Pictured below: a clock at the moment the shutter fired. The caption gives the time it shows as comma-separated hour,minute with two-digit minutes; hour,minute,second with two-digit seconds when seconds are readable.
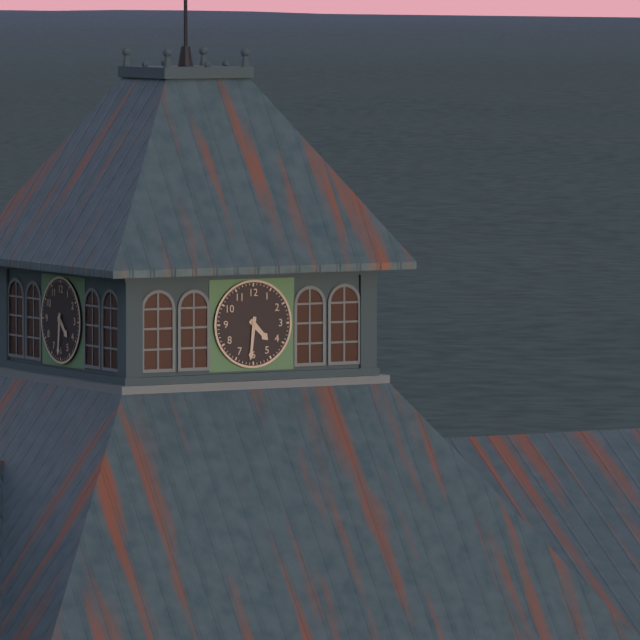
4,31
